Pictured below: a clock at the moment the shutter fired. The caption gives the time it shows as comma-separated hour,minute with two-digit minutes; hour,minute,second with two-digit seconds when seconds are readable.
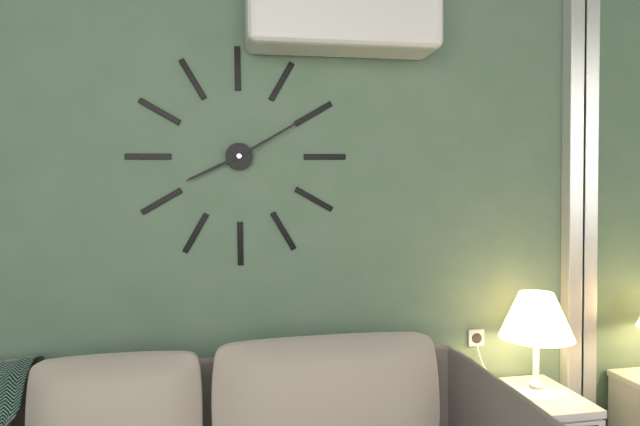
8,10
